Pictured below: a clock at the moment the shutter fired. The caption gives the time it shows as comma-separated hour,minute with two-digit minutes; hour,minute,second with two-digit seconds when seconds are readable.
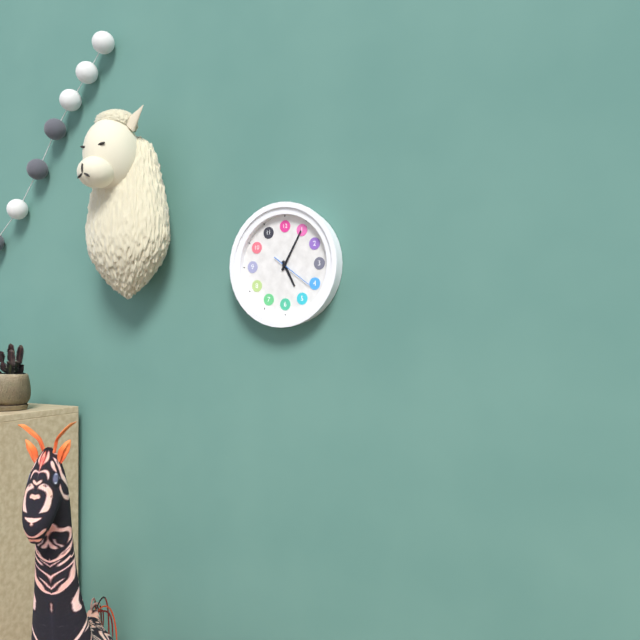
5,05
